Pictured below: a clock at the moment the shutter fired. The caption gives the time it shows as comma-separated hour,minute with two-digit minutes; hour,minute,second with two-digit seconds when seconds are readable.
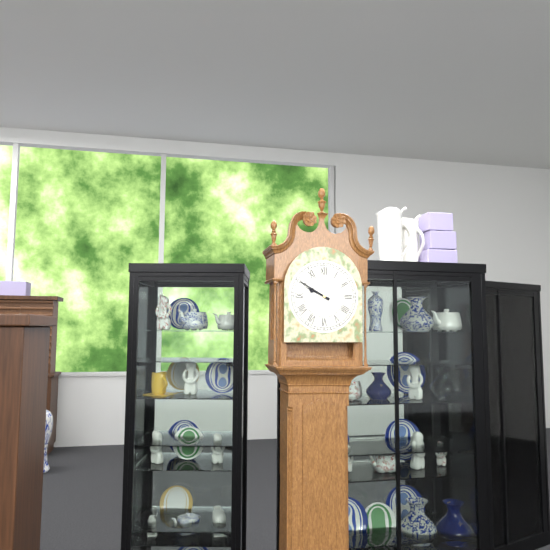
9,50
